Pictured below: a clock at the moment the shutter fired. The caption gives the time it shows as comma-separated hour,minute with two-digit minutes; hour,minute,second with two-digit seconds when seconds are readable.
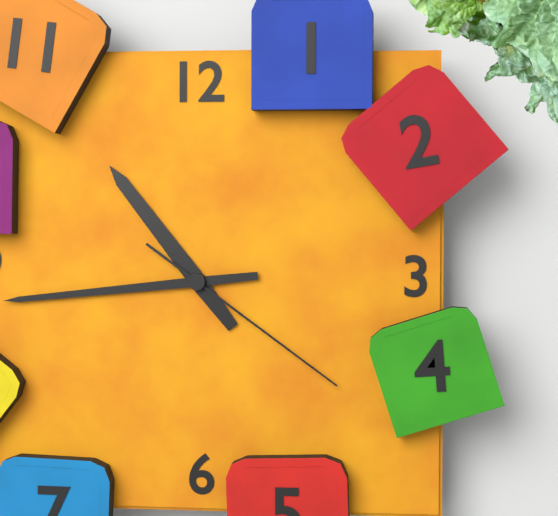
10,44,21
